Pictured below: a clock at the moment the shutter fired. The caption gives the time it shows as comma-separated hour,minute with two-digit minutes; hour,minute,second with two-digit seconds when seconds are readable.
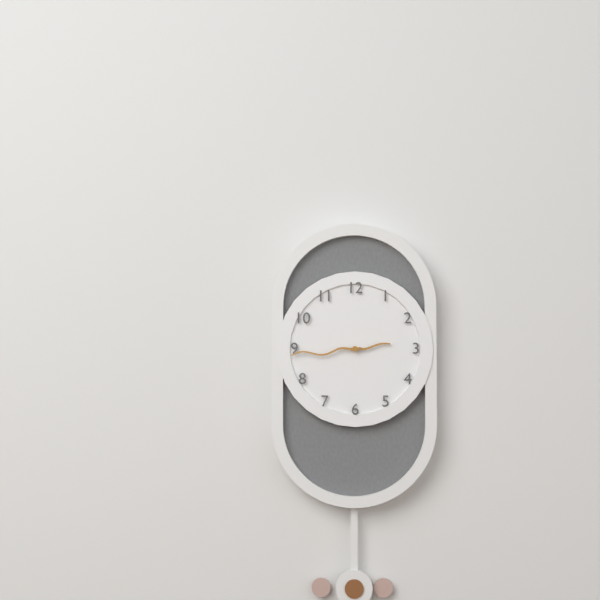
2,44
